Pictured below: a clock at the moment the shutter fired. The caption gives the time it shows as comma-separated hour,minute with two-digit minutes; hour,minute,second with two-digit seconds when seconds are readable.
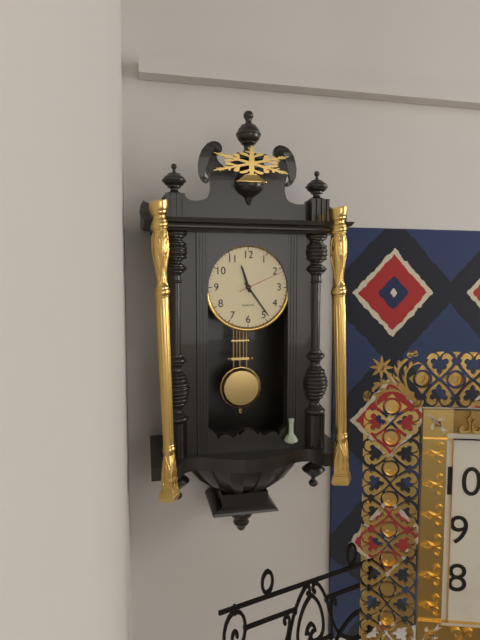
11,24
